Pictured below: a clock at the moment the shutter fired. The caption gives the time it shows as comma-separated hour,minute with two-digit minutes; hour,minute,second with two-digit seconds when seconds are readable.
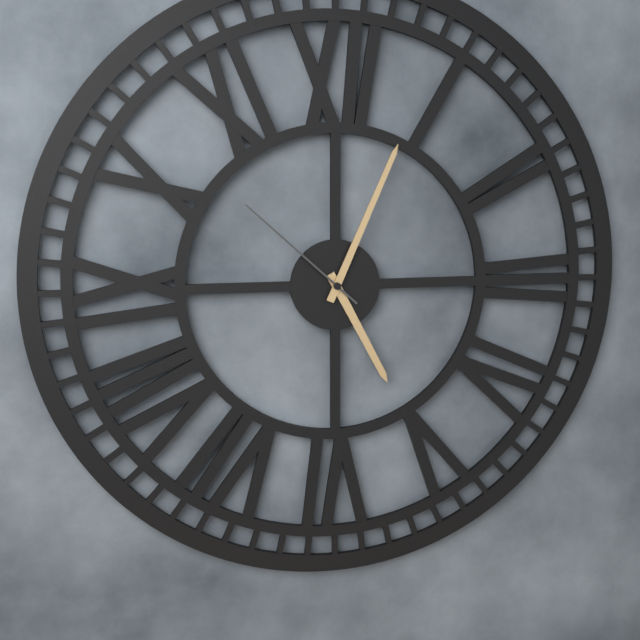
5,04,52
